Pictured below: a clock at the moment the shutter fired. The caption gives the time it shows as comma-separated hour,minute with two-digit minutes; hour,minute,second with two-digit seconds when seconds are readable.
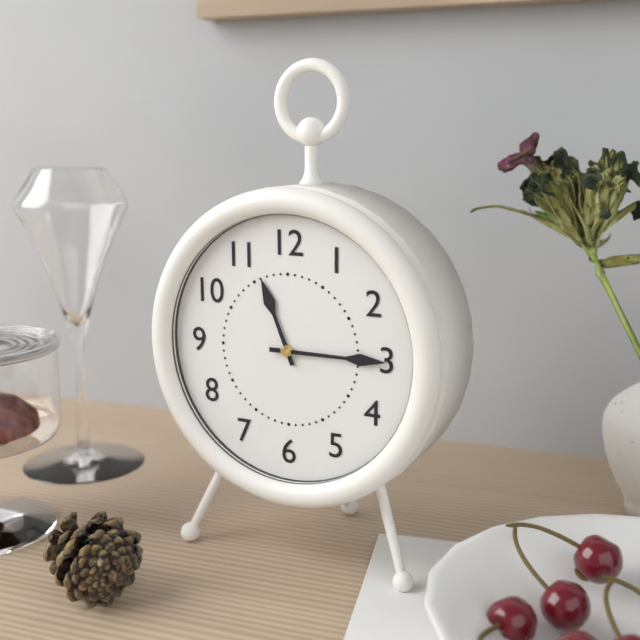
11,15
